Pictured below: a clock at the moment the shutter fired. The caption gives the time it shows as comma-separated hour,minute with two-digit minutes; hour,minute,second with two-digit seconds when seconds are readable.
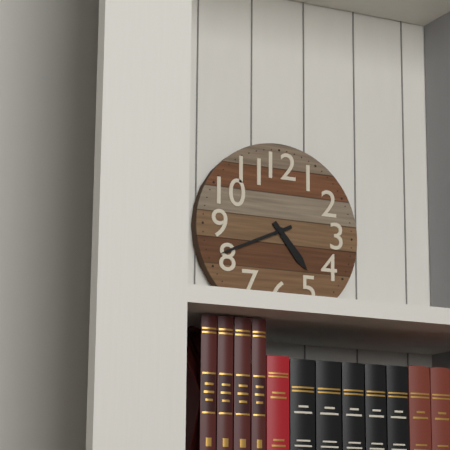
4,41
